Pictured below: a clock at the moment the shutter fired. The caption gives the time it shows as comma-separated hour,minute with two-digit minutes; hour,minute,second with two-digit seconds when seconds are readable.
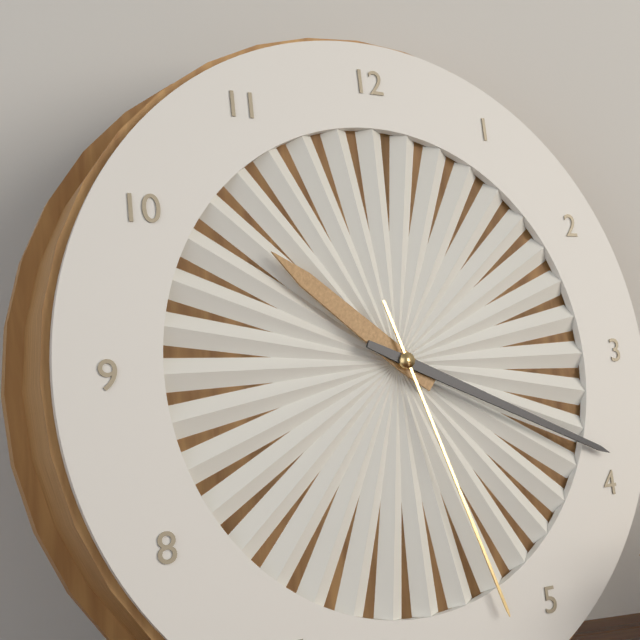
10,19,27
